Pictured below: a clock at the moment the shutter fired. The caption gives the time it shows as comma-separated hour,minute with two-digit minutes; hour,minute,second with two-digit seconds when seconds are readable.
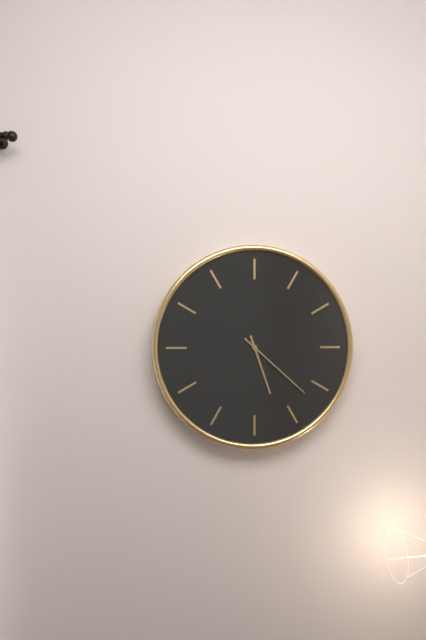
5,22
